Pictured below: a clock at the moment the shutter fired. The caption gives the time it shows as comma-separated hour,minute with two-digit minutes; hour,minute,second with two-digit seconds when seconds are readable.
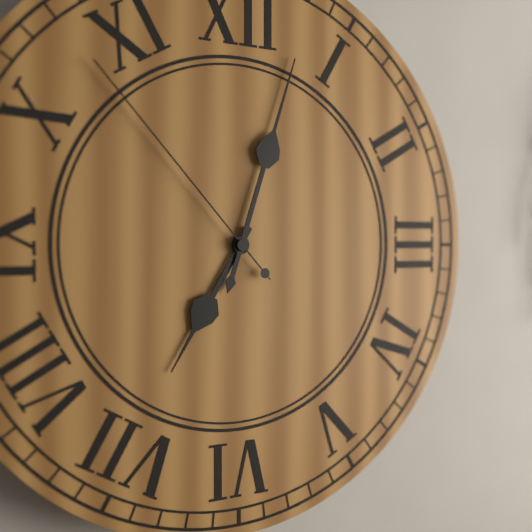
7,03,53
